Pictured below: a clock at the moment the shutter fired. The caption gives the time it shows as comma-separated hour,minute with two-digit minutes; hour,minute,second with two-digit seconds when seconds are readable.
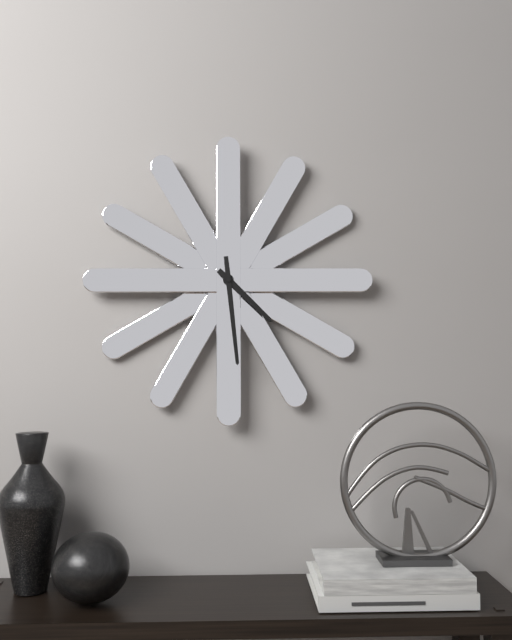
4,29
